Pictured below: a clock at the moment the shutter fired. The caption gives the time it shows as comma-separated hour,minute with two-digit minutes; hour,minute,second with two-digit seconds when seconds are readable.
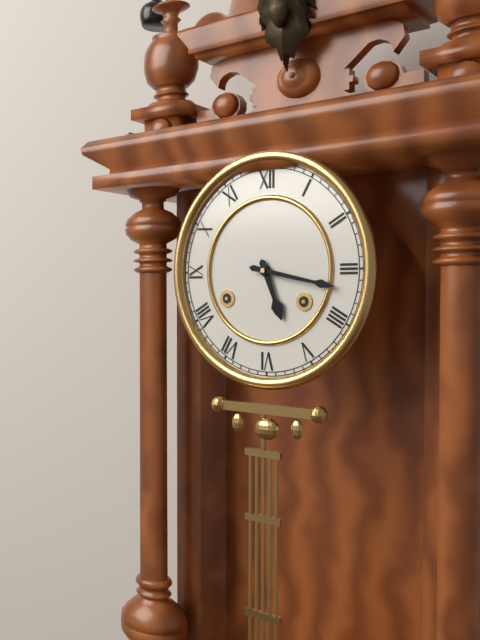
5,17
